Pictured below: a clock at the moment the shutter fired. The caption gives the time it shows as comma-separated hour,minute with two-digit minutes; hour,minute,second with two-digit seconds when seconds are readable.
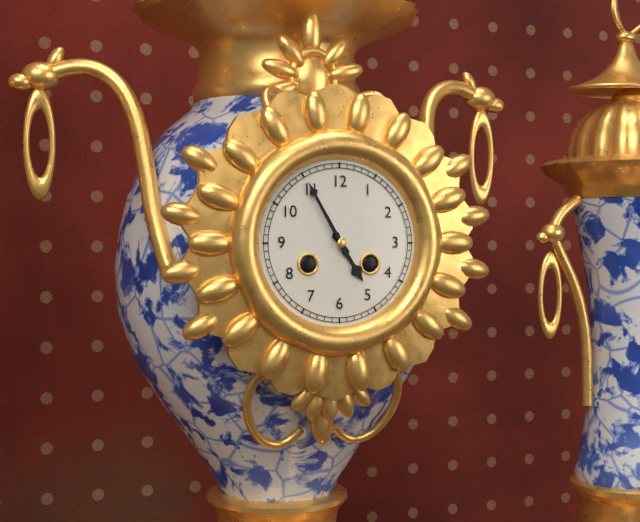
4,55
